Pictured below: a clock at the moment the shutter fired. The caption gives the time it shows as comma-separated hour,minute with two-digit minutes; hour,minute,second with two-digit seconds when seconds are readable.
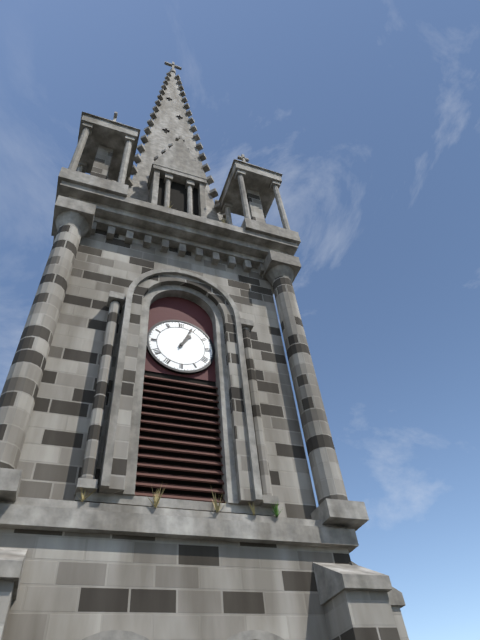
1,04
